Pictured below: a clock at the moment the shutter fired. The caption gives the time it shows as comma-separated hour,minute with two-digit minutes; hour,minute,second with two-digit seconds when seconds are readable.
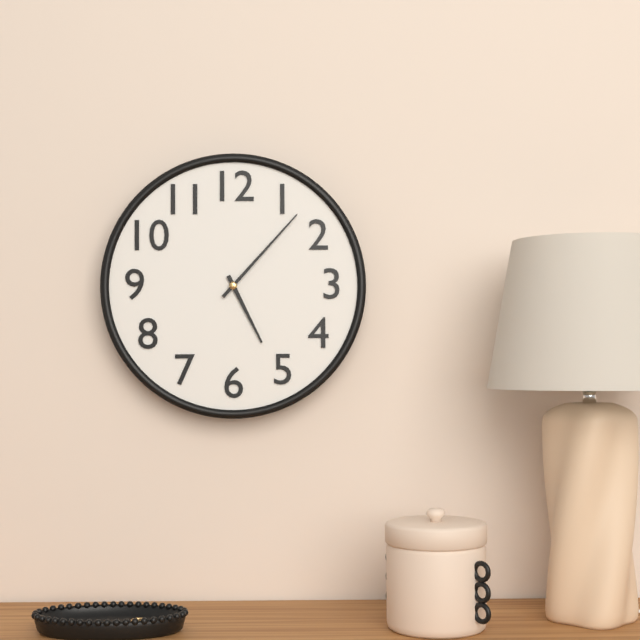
5,07
